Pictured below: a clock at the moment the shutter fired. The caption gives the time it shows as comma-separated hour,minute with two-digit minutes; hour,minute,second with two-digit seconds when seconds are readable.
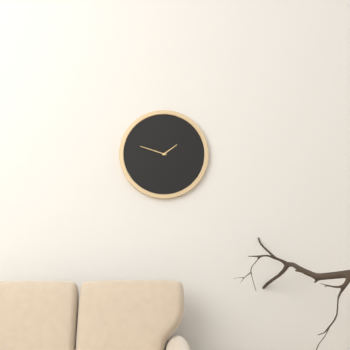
1,48
